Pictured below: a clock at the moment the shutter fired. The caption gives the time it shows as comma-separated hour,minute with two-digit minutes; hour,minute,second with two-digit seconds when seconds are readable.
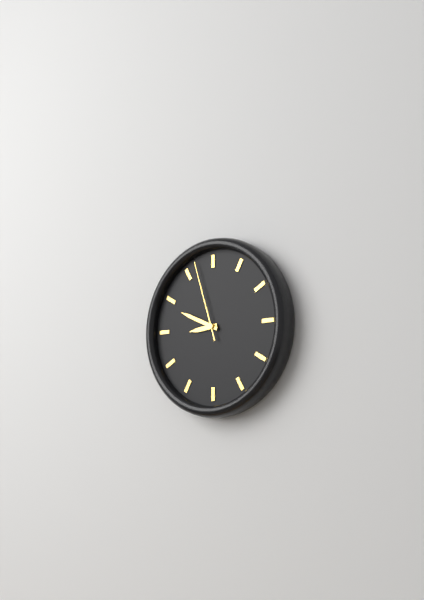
8,49,57
